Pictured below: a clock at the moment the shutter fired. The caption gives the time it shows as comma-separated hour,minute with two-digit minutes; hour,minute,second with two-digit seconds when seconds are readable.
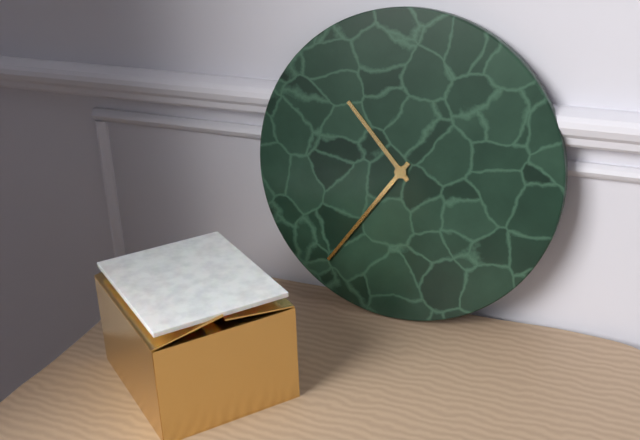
10,36
